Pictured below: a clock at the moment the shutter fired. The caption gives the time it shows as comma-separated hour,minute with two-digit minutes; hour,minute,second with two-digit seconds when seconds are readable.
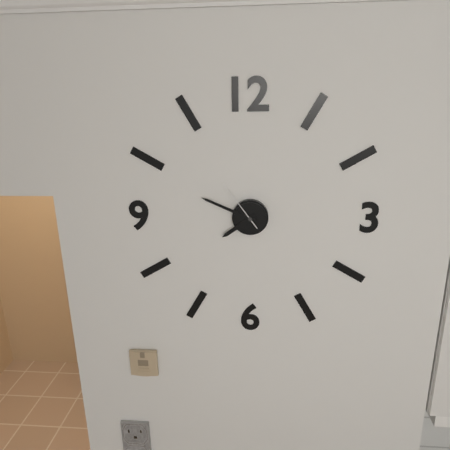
7,49,54
